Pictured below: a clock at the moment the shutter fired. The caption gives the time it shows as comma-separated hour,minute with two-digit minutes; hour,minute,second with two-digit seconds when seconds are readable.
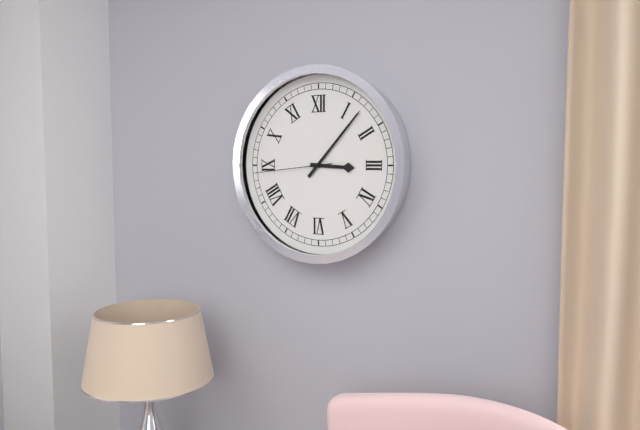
3,07,44
